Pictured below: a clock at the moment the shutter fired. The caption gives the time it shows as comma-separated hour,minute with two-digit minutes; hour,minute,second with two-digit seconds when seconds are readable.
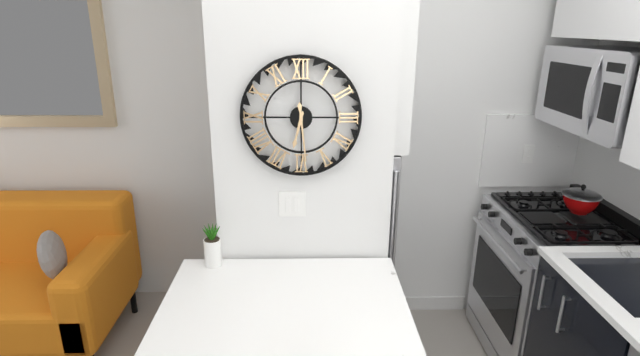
6,29
